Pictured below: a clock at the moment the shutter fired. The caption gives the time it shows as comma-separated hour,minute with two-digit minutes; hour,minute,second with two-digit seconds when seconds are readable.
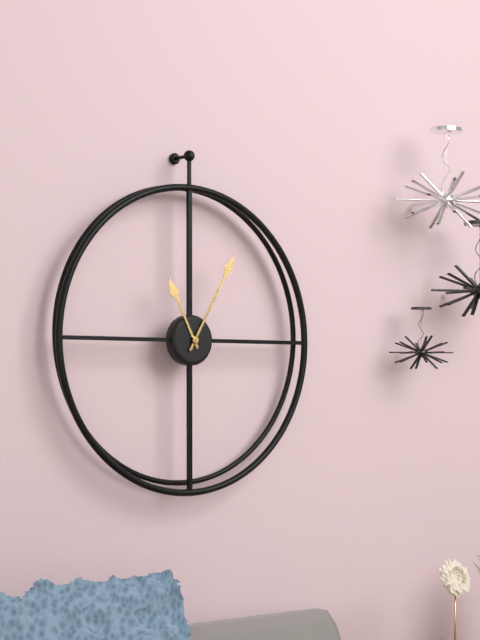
11,05
